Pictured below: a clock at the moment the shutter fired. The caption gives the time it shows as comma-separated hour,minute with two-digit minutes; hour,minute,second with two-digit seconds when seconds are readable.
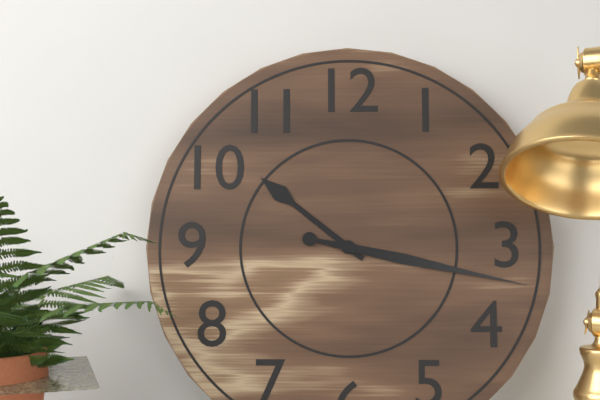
10,17
